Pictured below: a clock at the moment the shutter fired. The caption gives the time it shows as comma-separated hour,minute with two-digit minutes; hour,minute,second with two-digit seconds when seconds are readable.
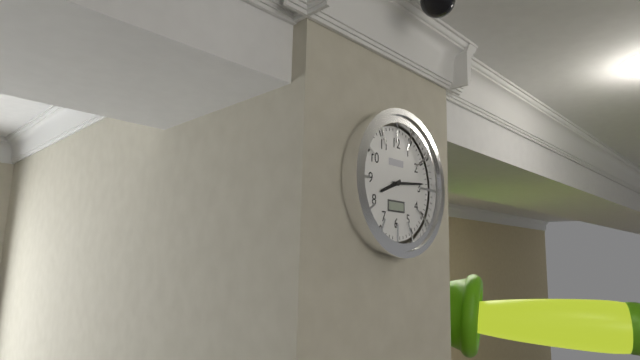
8,14
